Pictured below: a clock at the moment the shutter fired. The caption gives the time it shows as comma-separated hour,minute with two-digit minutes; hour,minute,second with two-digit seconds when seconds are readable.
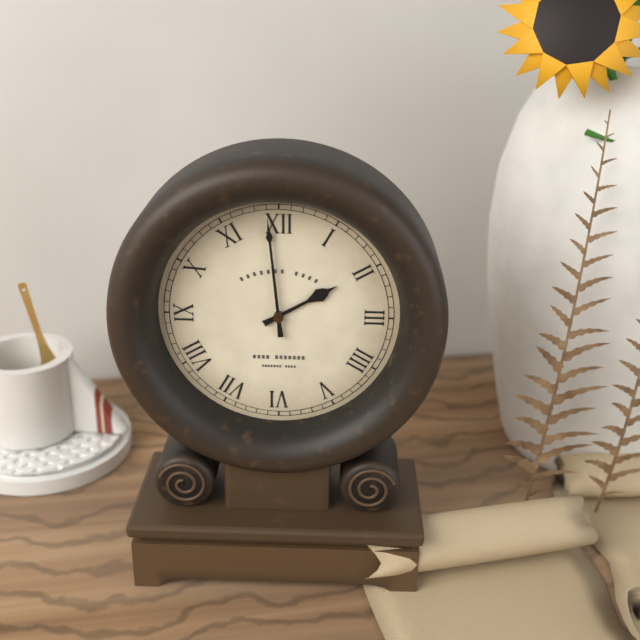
1,59
